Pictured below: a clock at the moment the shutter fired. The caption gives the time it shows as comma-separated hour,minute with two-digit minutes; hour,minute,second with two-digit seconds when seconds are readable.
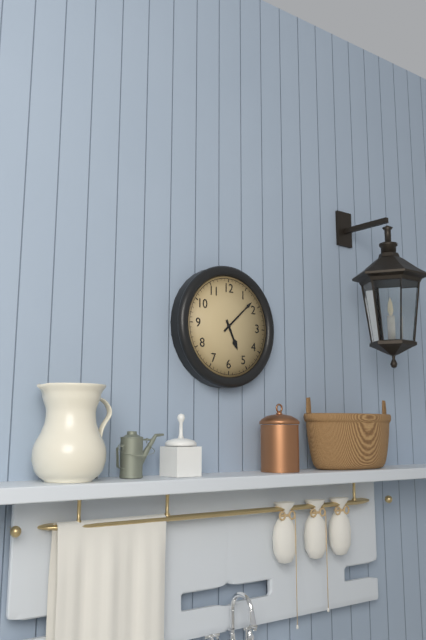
5,08
